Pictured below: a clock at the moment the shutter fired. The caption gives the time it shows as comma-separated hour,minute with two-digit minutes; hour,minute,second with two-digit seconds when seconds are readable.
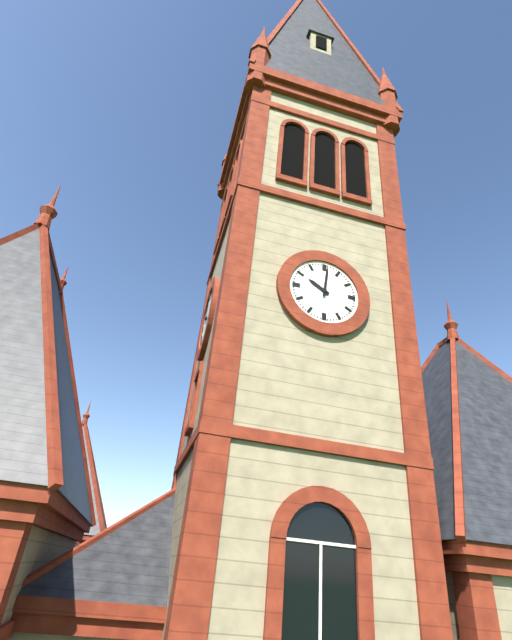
10,01
